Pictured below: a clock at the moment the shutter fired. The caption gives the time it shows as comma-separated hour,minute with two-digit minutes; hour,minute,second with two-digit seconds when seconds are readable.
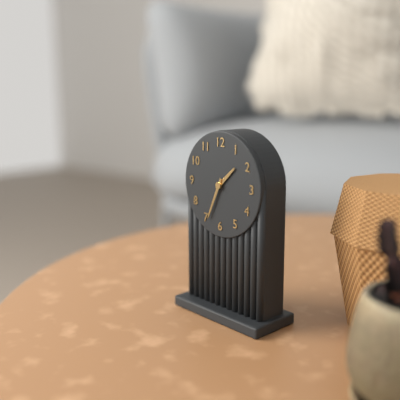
1,34
